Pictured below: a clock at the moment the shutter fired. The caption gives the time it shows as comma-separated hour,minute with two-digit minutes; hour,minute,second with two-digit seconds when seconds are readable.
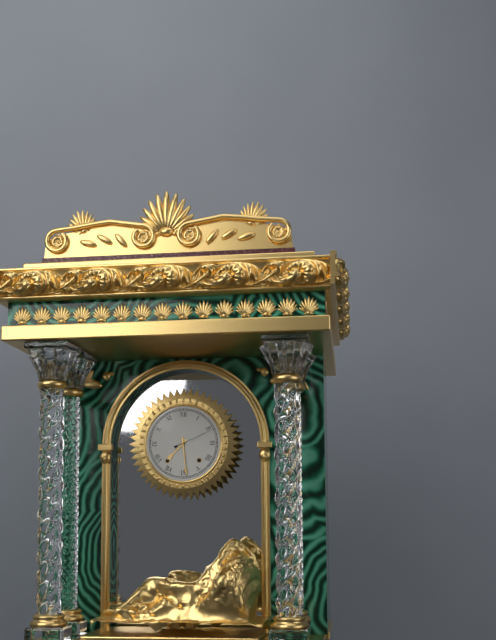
7,29
